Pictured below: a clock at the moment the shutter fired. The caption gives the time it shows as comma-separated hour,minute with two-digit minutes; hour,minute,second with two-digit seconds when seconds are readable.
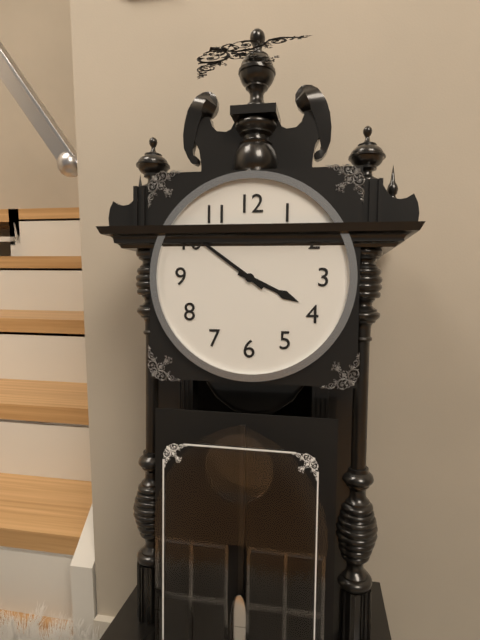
3,51
